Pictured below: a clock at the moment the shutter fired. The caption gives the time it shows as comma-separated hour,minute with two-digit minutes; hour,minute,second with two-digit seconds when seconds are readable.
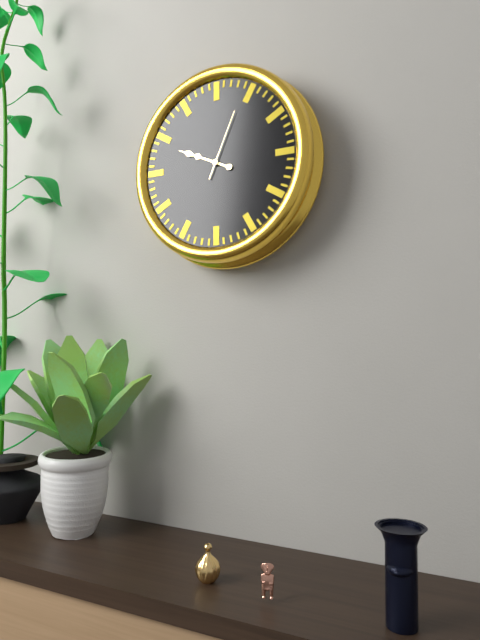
9,49,04
